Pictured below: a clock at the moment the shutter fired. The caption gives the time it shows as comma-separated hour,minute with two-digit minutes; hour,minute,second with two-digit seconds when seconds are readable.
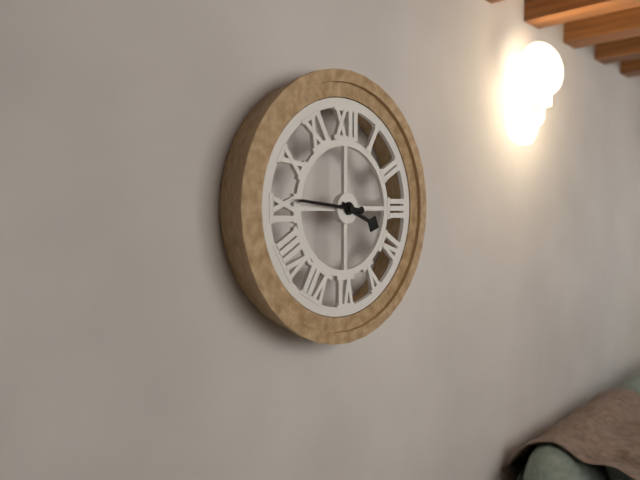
3,46
